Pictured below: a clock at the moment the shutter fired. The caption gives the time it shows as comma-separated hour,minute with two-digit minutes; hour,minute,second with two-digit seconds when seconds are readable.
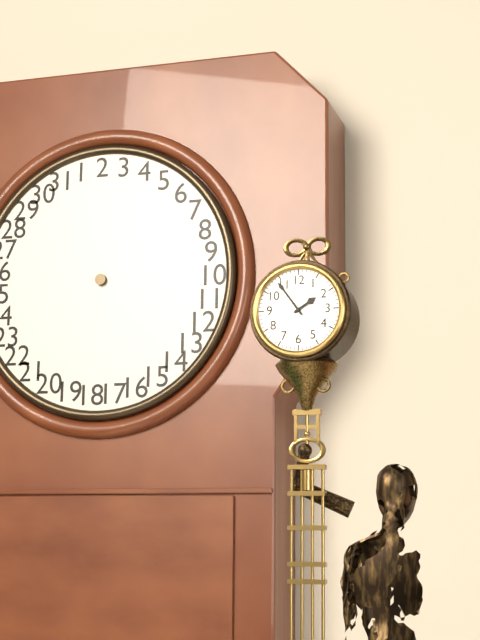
1,54
